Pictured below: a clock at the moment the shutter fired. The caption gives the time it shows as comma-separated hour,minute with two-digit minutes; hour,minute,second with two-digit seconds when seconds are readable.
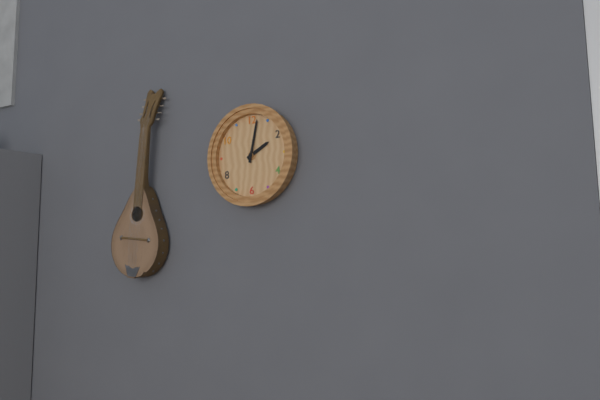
2,02
